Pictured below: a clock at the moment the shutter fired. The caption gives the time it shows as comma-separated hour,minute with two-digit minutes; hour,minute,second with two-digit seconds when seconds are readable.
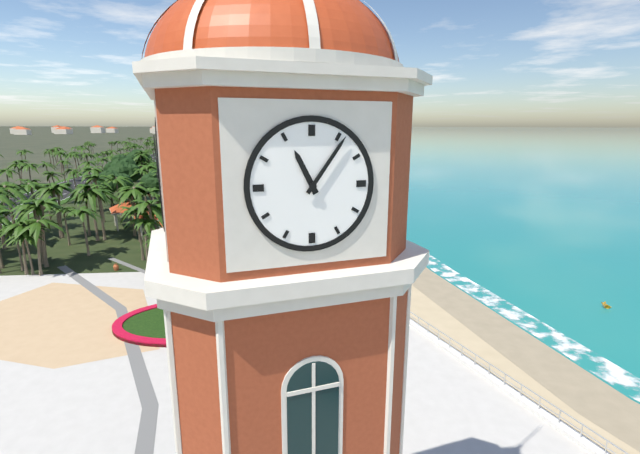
11,06
